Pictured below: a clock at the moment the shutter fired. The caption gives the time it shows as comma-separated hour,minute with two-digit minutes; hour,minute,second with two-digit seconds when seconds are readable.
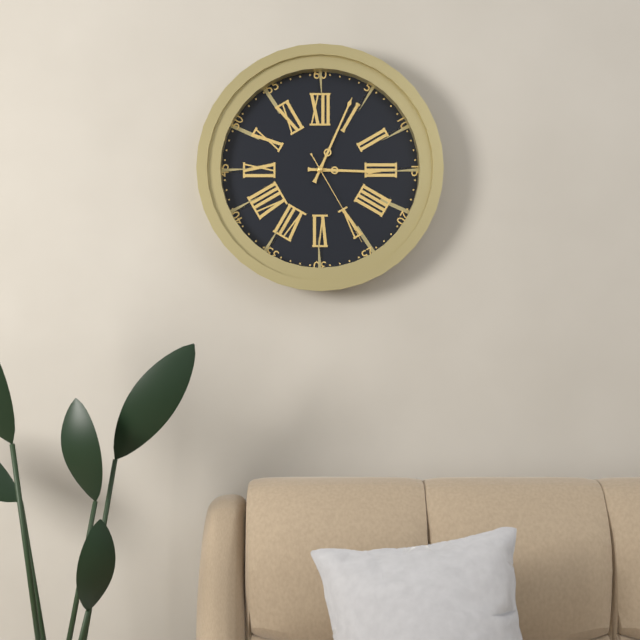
3,04,25
